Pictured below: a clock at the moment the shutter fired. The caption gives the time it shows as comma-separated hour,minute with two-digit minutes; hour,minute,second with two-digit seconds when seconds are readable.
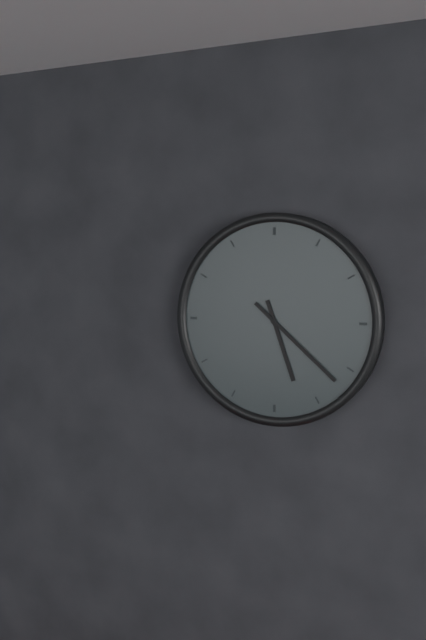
5,22
